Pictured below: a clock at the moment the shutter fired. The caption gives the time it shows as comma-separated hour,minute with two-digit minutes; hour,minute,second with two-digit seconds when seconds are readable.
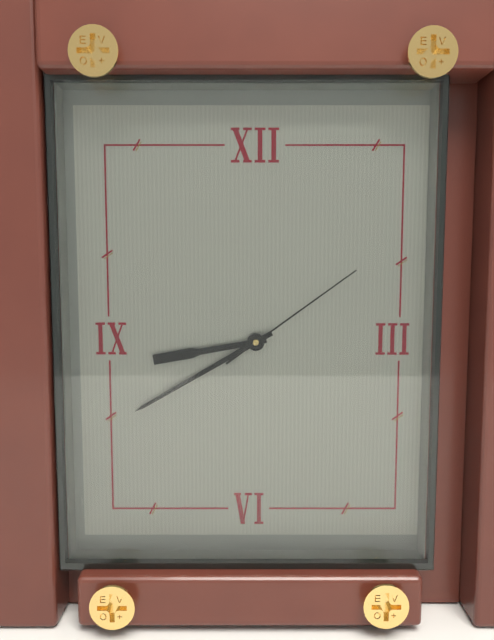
8,40,09
